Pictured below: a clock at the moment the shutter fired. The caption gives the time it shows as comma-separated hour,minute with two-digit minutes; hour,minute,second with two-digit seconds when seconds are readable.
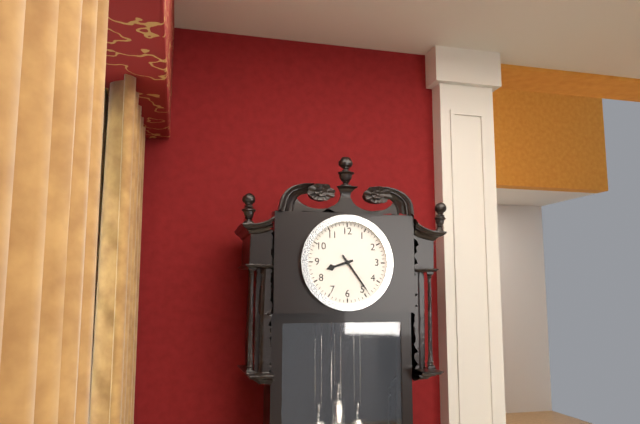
8,24
